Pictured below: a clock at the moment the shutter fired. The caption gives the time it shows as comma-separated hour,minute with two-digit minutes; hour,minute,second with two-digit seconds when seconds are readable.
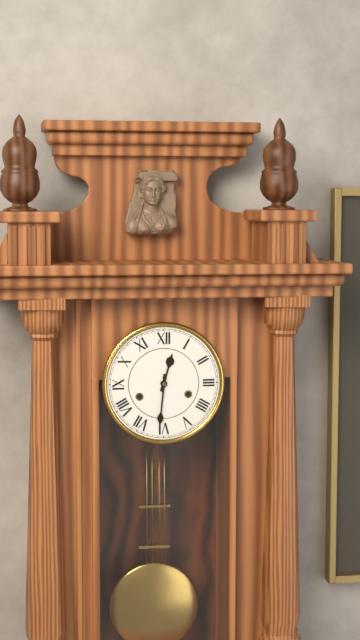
12,31
